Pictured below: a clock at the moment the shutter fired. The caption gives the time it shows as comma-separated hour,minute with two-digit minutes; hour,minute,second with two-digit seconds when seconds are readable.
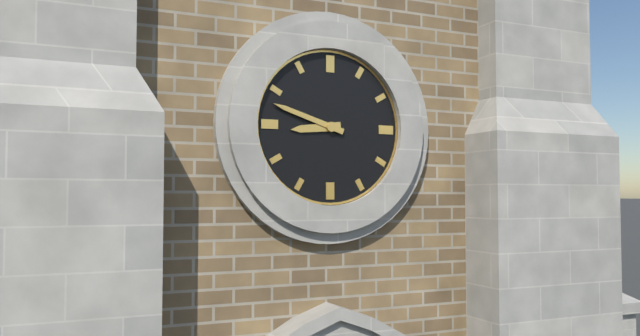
8,48
